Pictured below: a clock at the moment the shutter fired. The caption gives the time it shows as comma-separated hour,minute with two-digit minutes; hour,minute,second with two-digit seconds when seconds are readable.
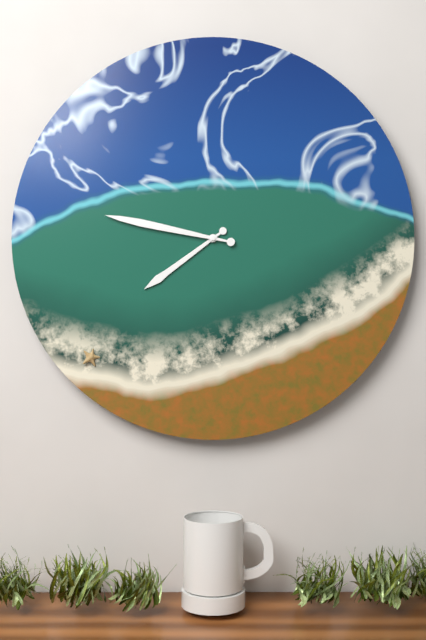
7,47
